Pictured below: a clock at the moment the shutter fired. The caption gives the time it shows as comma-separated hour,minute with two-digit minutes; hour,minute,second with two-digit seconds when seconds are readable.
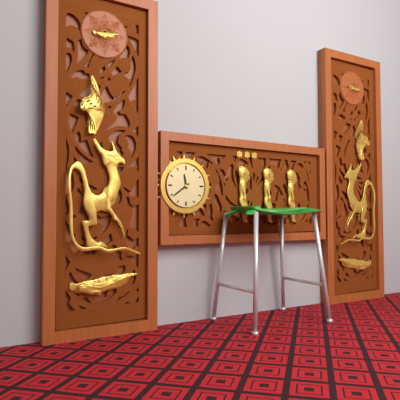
11,39
